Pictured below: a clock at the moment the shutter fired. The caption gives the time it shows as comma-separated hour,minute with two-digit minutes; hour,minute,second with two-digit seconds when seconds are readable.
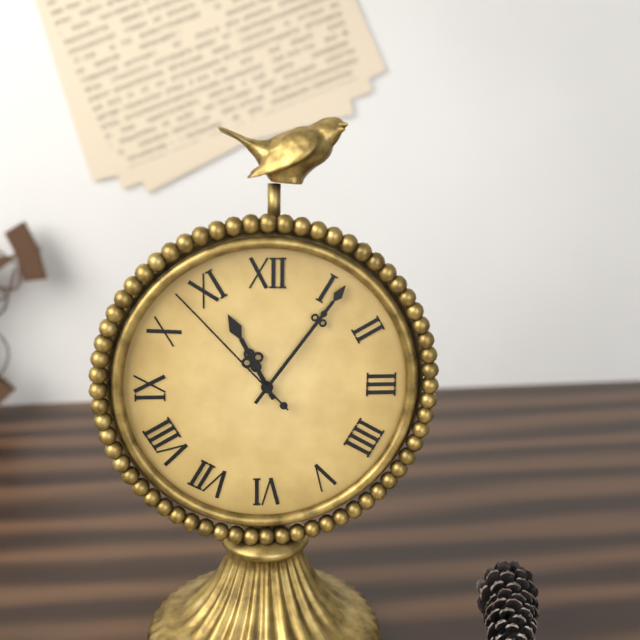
11,06,53
